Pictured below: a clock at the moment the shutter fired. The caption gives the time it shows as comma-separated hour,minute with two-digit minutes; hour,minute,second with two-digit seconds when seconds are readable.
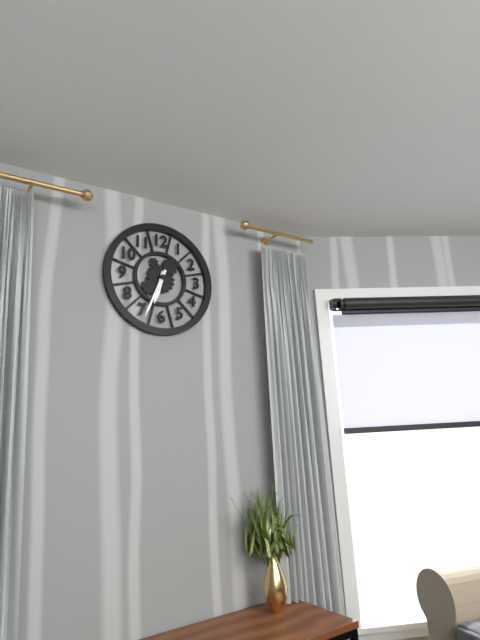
6,34
